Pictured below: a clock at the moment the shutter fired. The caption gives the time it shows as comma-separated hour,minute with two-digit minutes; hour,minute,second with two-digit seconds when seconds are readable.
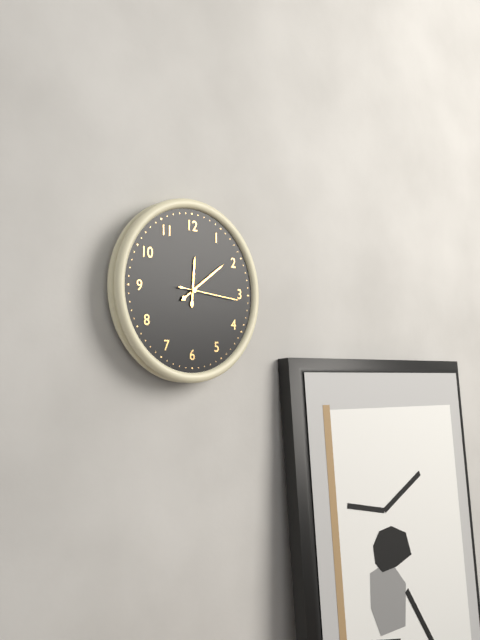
12,09,16
